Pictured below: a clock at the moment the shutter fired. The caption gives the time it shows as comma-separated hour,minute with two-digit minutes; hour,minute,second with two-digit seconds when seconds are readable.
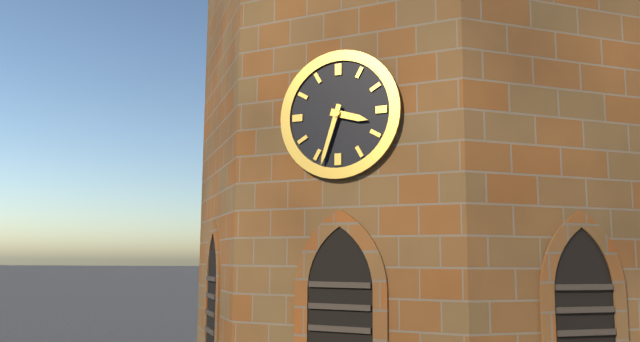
3,33
